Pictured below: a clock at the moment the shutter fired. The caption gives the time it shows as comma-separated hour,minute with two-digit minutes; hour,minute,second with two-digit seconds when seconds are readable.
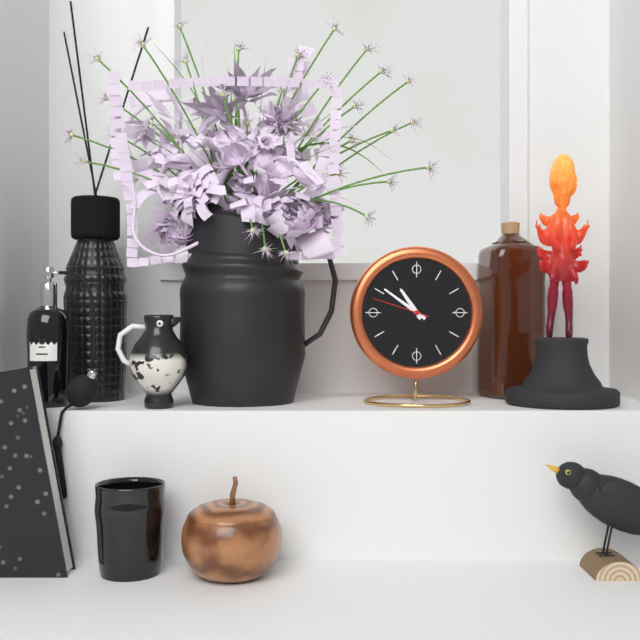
10,51,48
